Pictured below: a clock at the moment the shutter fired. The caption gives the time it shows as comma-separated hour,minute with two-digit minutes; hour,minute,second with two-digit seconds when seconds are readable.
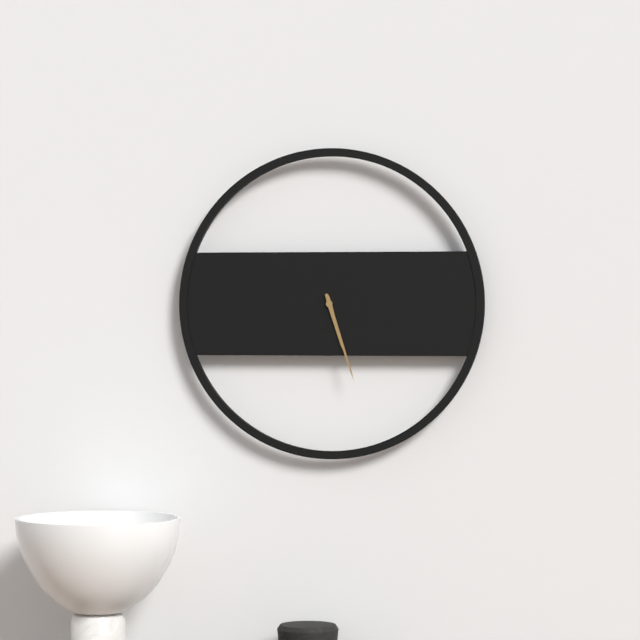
5,27
